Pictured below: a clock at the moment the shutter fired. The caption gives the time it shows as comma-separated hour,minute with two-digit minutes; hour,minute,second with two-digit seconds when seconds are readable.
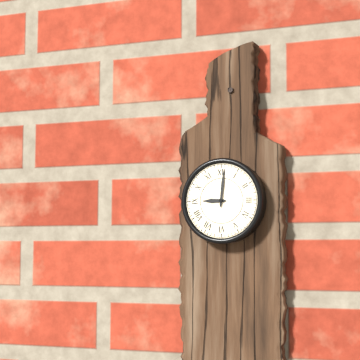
9,01
